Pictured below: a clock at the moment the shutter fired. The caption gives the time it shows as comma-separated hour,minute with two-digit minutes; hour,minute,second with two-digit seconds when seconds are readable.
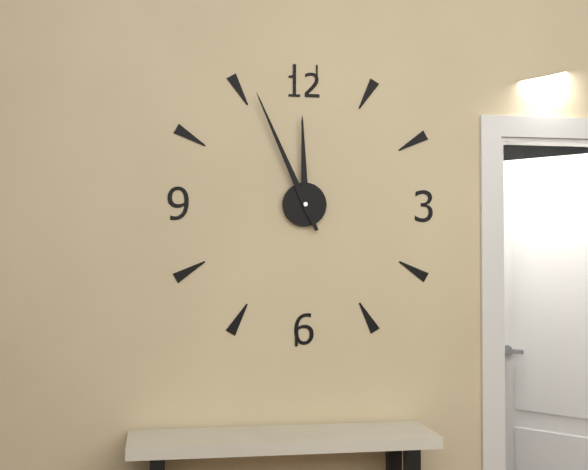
11,56
